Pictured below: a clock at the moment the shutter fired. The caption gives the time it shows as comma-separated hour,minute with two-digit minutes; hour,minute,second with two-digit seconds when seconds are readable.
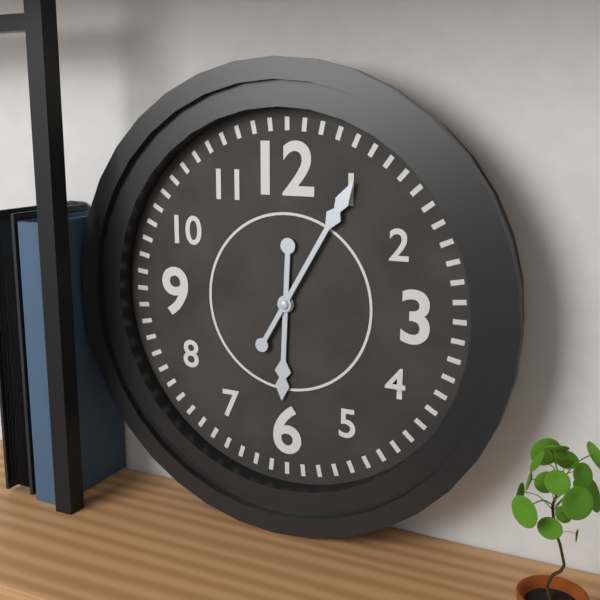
6,05
